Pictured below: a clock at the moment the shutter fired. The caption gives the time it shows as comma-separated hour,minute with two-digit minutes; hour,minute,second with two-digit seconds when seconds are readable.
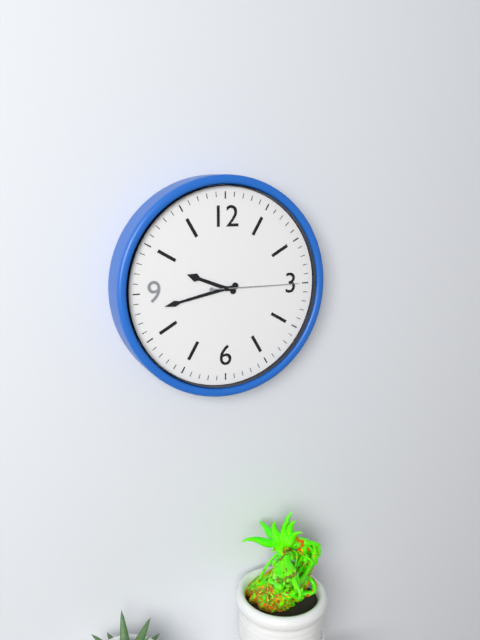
9,43,15
